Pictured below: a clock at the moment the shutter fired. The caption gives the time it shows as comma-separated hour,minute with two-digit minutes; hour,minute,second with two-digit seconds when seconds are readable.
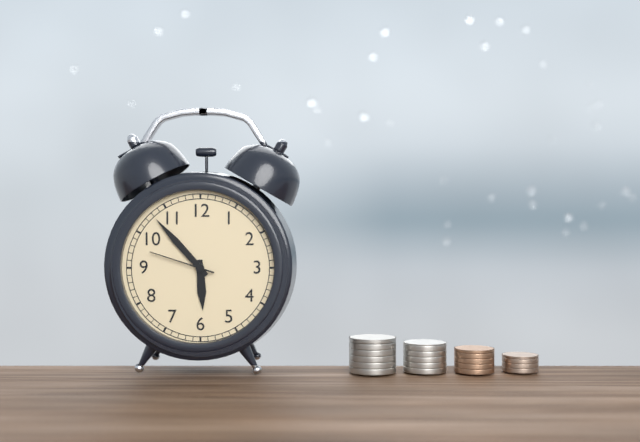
5,53,48
